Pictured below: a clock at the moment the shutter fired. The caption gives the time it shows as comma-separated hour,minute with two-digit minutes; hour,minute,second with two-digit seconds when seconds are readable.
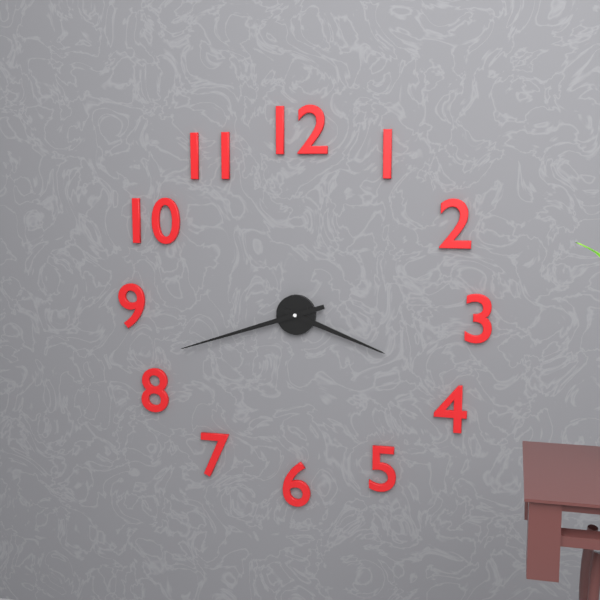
3,42
